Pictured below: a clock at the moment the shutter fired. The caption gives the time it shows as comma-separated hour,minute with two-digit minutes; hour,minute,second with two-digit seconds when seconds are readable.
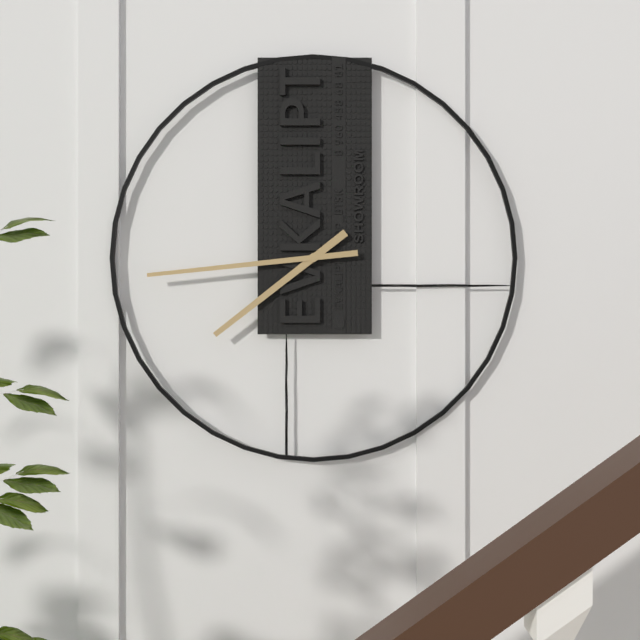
7,44
